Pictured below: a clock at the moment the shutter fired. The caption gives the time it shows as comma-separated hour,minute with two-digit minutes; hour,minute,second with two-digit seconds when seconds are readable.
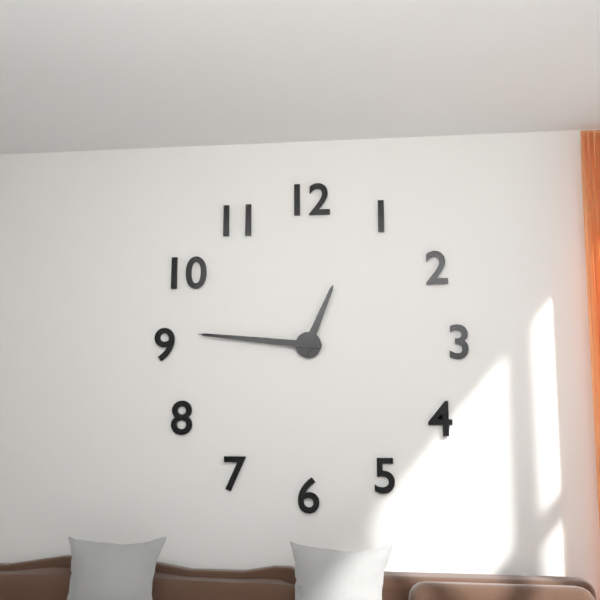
12,46
